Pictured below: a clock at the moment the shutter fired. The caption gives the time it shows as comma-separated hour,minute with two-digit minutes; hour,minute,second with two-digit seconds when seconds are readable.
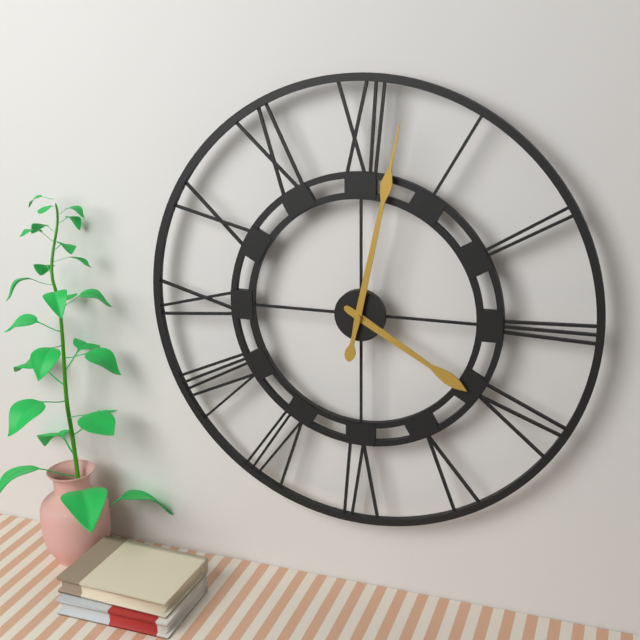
4,02
